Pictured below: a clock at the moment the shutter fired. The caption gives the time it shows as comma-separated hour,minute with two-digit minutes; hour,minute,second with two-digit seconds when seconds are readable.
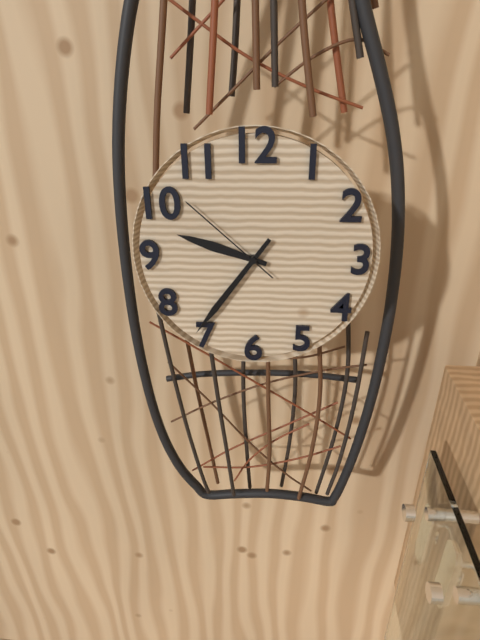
9,36,52
